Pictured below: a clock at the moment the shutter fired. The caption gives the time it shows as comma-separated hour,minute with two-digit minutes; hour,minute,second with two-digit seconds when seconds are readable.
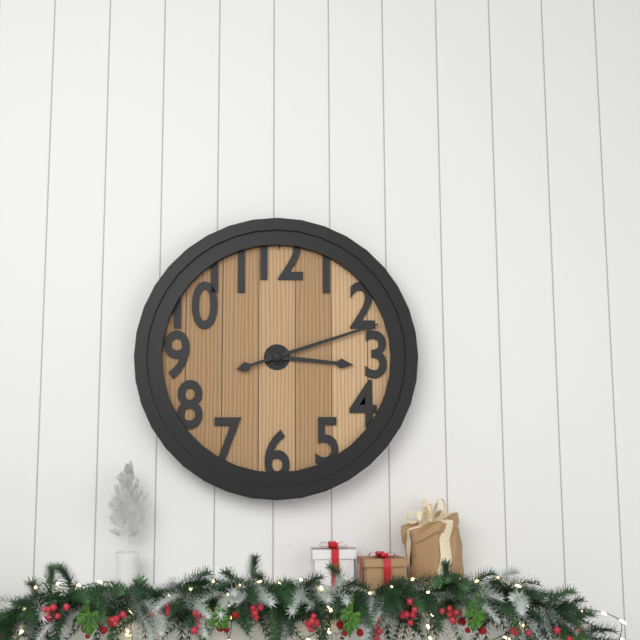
3,12
